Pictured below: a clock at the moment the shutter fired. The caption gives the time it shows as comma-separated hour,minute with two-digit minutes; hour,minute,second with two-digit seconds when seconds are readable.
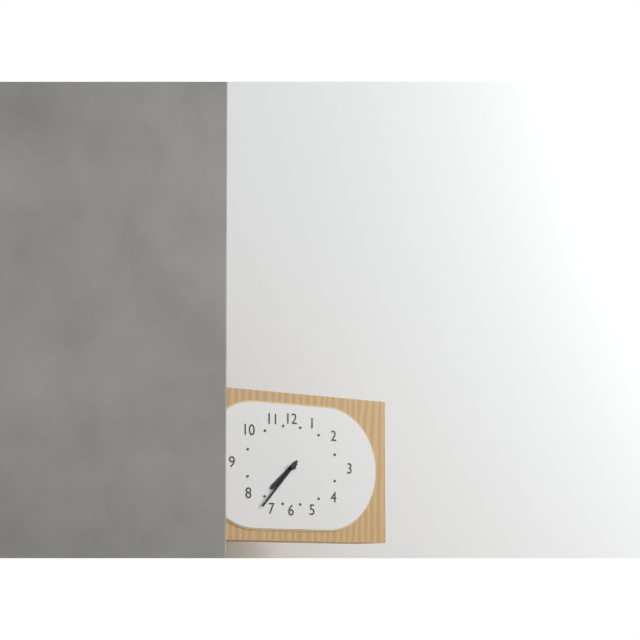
7,37
